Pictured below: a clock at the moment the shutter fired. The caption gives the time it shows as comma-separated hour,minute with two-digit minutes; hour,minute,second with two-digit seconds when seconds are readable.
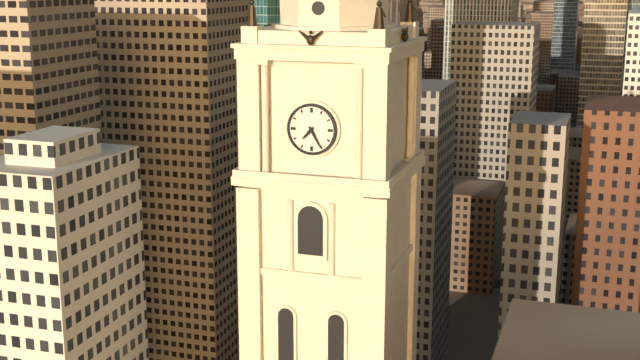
7,25
